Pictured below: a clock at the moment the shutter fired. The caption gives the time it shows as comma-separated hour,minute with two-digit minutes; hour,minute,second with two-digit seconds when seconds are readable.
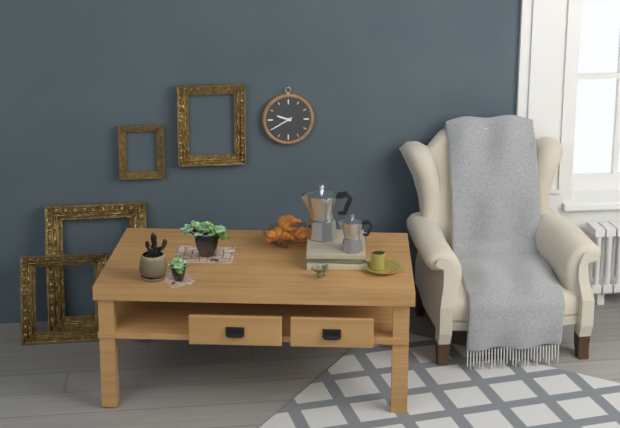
9,40
